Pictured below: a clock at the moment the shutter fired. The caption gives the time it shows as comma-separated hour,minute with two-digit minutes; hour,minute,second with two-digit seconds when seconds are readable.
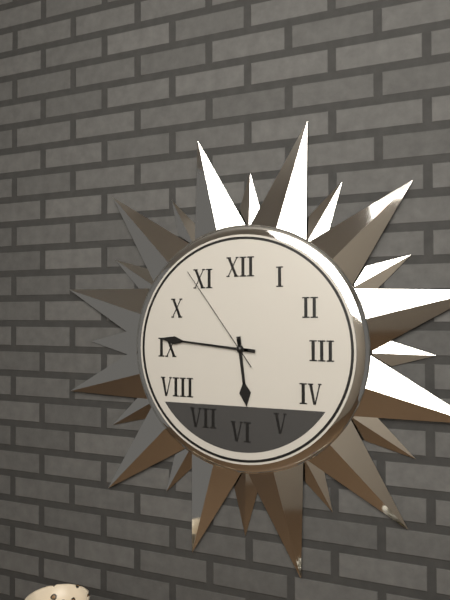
5,46,54
